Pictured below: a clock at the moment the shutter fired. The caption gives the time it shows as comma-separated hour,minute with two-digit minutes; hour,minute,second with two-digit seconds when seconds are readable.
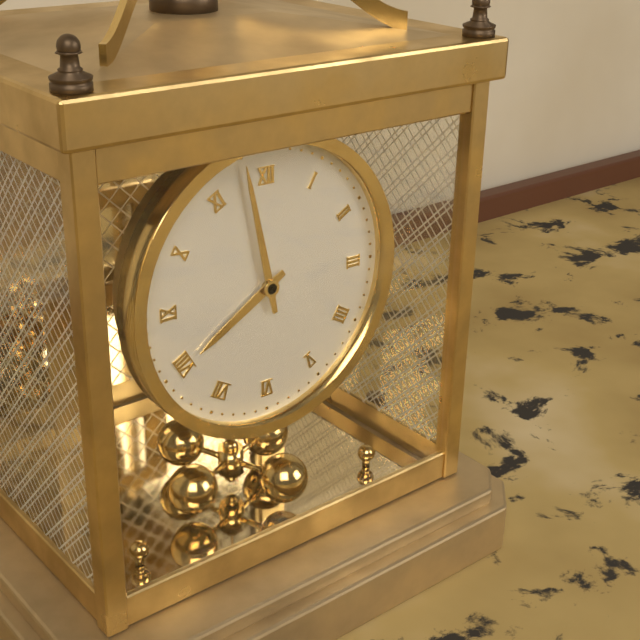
7,58
